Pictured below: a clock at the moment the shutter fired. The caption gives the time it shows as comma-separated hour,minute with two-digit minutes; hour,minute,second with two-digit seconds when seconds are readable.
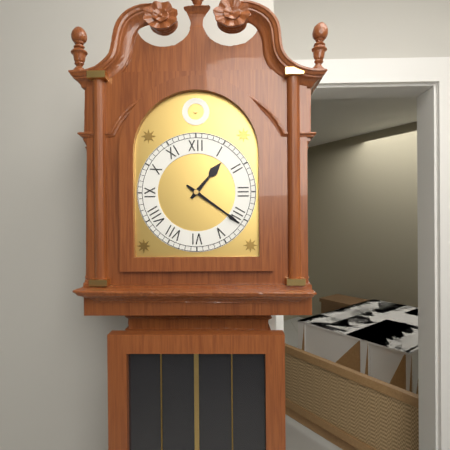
1,21
